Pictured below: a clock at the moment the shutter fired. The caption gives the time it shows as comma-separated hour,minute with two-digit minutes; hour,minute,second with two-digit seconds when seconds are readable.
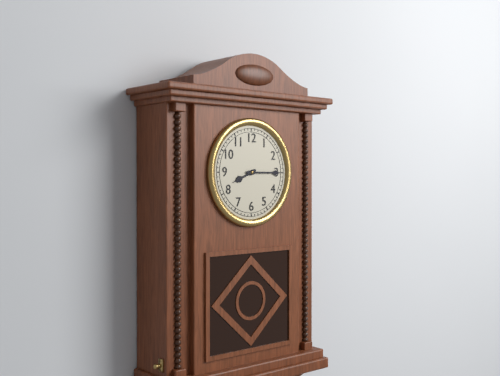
8,15
